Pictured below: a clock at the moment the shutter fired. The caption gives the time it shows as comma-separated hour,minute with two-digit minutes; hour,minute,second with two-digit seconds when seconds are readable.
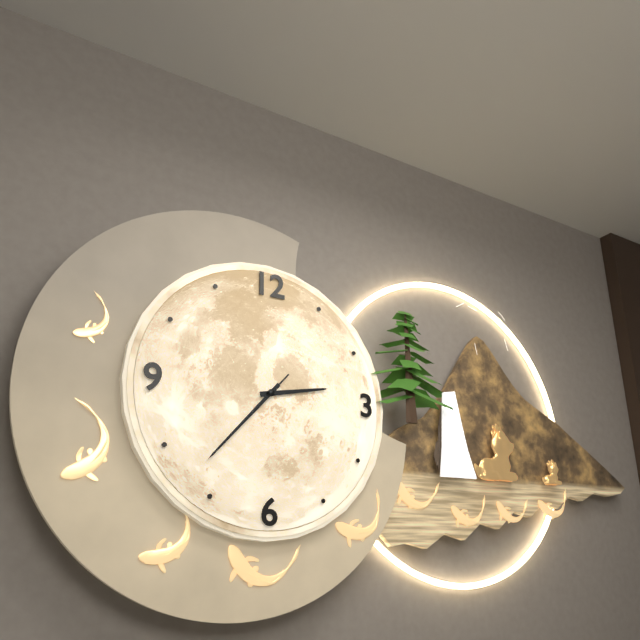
2,37,37
